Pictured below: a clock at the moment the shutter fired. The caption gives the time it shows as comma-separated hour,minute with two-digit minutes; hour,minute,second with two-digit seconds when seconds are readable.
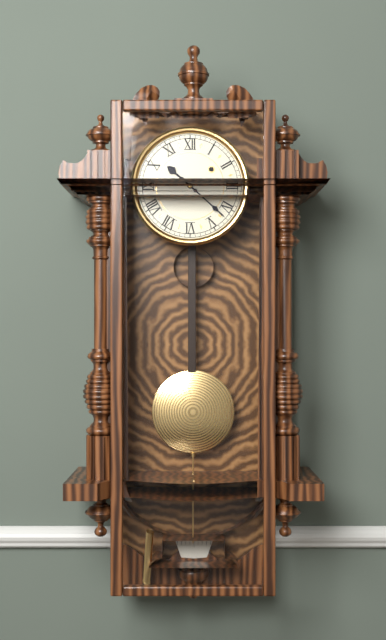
10,22
